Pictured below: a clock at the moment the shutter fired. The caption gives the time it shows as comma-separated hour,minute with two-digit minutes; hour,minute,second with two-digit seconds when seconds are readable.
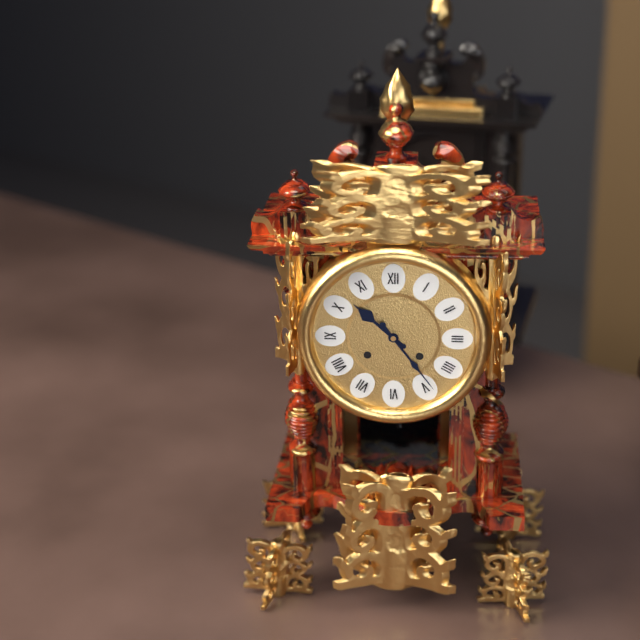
10,24
